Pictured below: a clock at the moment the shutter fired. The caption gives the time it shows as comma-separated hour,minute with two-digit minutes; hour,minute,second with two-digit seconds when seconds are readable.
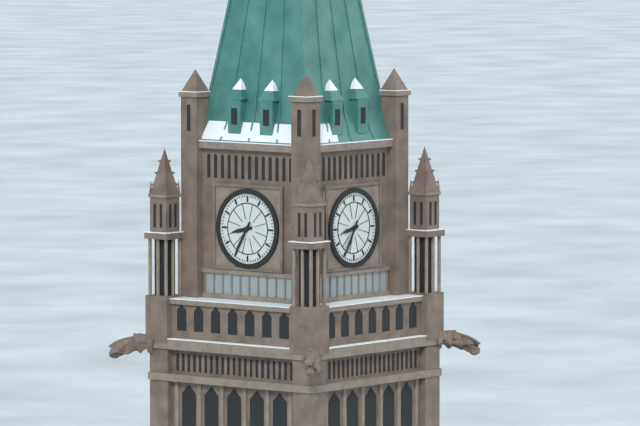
8,35
